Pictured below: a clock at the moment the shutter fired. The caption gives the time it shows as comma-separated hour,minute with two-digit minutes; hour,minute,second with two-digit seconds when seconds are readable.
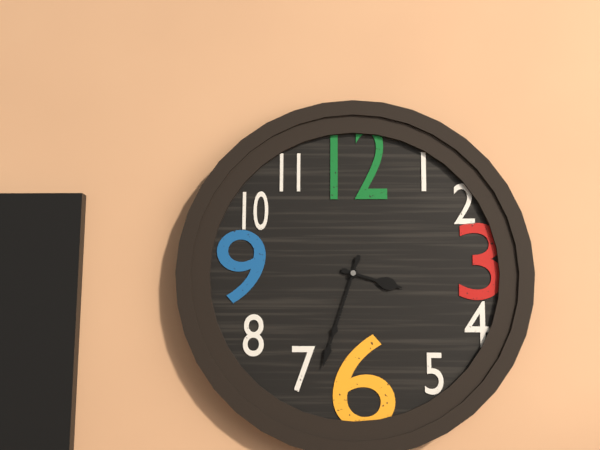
3,33
